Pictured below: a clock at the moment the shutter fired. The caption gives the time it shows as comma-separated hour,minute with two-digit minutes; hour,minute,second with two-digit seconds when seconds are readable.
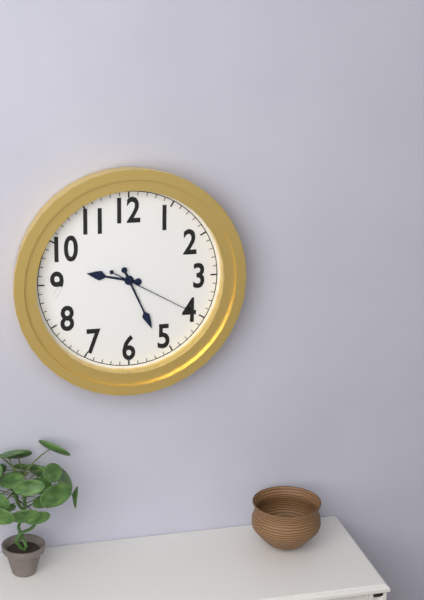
9,26,20
